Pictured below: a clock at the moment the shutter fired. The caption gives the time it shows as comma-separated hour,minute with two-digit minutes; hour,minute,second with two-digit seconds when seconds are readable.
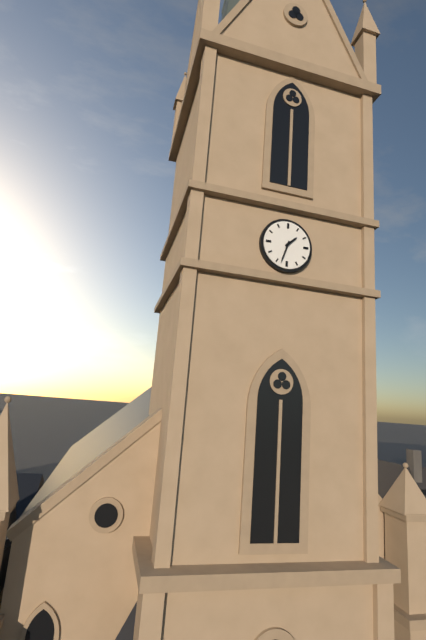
1,33
